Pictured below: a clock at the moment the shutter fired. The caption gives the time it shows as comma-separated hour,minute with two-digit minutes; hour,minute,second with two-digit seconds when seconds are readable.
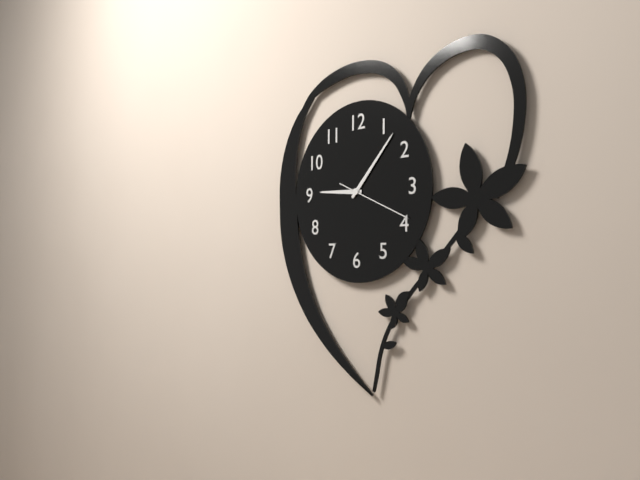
9,07,19
